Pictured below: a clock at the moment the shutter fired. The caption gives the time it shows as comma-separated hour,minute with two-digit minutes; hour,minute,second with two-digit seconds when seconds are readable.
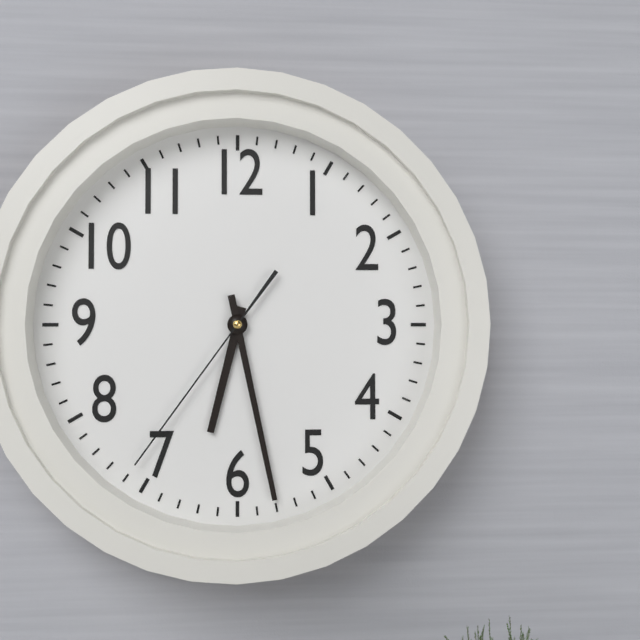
6,28,36
